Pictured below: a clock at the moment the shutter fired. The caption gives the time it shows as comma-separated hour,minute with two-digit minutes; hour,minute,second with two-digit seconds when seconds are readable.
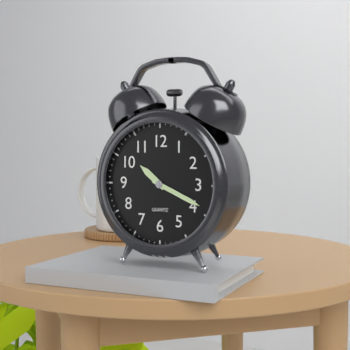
10,19
